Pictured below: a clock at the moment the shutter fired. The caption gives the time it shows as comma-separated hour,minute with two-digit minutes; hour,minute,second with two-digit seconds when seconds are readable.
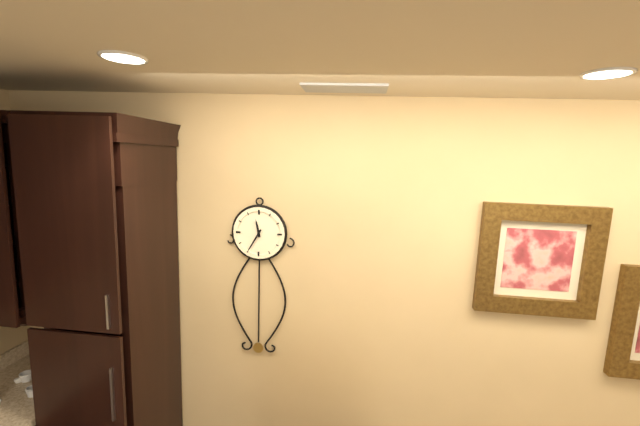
11,35
